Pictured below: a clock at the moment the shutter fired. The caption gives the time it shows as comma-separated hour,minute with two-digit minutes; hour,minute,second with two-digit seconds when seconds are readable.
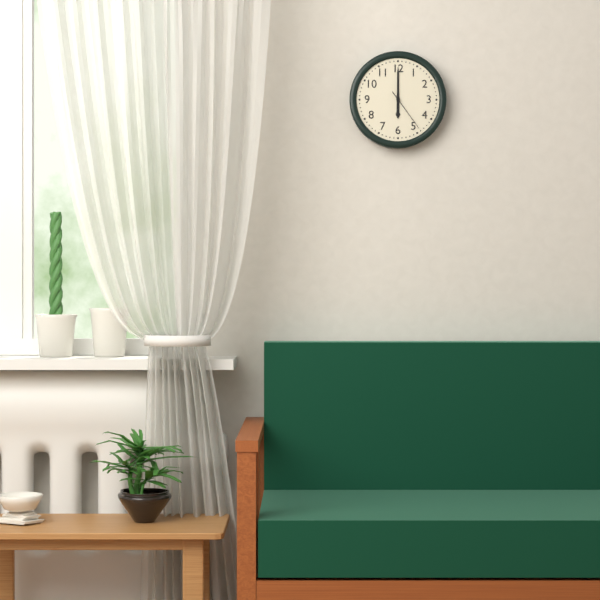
6,00
